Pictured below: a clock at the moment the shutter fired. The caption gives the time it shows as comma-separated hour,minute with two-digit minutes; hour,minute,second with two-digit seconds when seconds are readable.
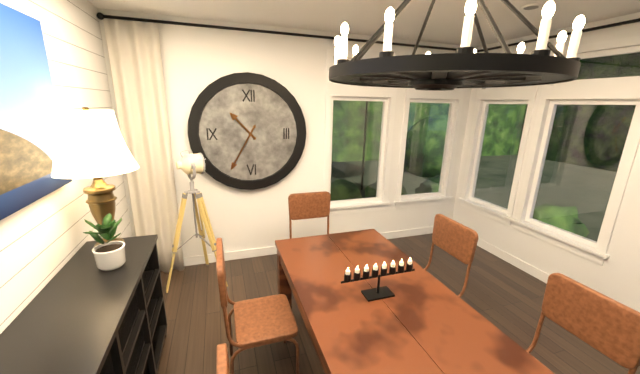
10,35
